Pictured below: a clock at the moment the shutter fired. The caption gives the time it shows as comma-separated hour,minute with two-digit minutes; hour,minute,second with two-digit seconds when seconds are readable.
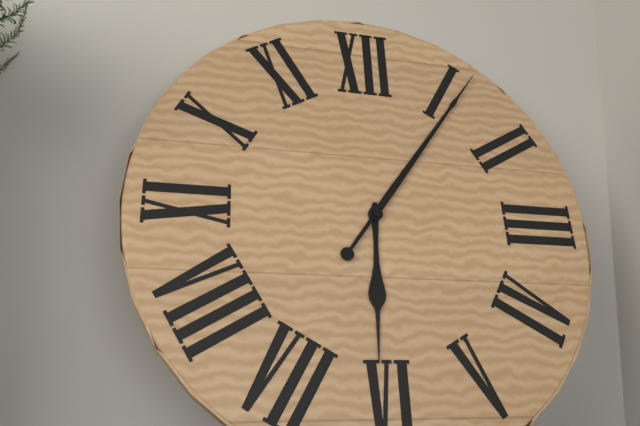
6,06
